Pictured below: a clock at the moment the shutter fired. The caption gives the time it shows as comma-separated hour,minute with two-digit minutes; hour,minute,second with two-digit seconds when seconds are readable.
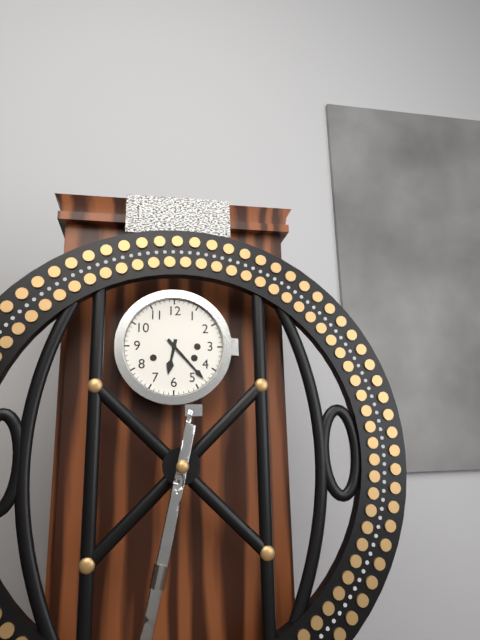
6,23
